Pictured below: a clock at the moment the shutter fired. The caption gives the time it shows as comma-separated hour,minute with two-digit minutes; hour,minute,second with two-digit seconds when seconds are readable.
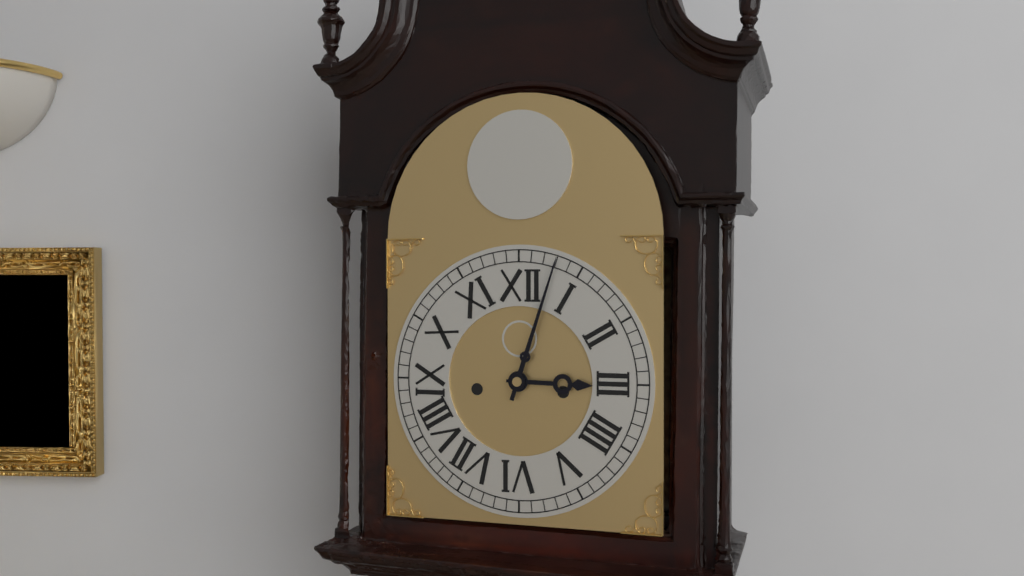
3,03
